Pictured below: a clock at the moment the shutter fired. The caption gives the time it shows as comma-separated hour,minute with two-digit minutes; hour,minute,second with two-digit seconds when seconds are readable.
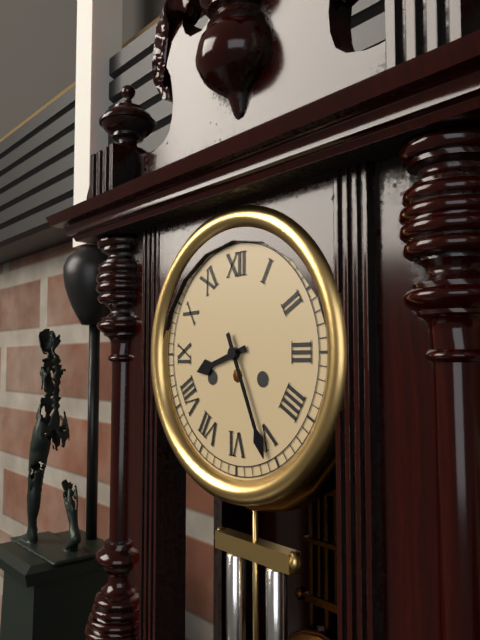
8,26
